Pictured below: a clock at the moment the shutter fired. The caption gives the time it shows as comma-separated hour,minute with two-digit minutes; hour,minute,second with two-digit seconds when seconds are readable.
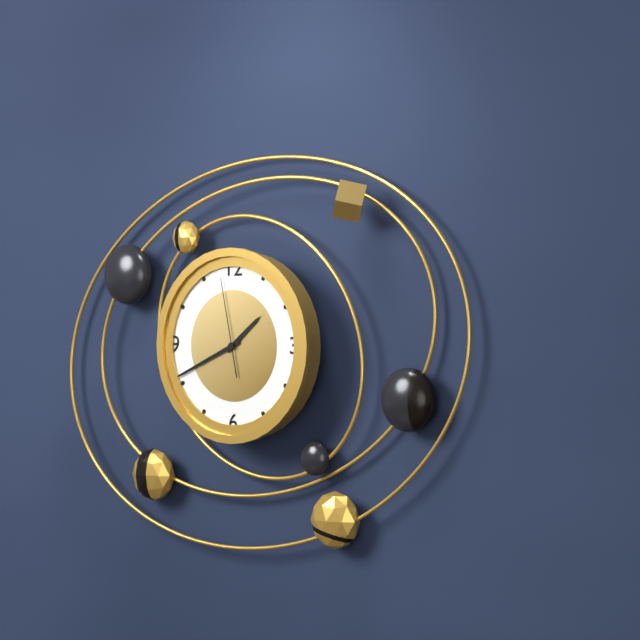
1,41,58
